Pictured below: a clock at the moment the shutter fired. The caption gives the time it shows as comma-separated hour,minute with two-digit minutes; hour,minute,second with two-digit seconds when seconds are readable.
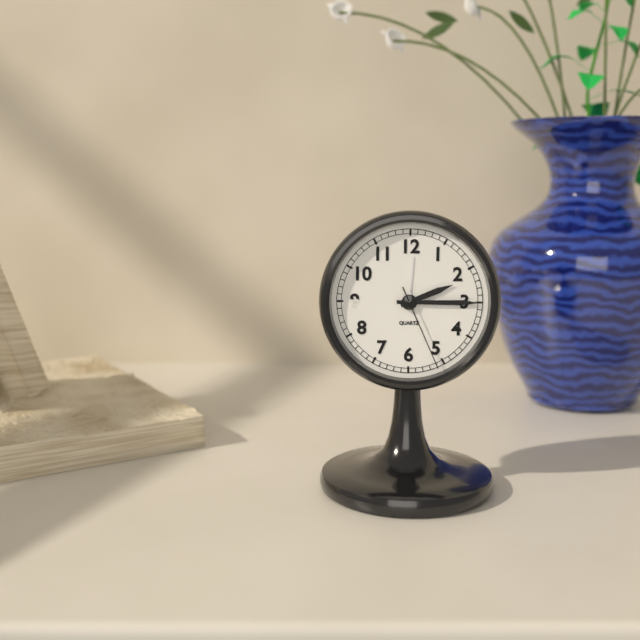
2,15,26
